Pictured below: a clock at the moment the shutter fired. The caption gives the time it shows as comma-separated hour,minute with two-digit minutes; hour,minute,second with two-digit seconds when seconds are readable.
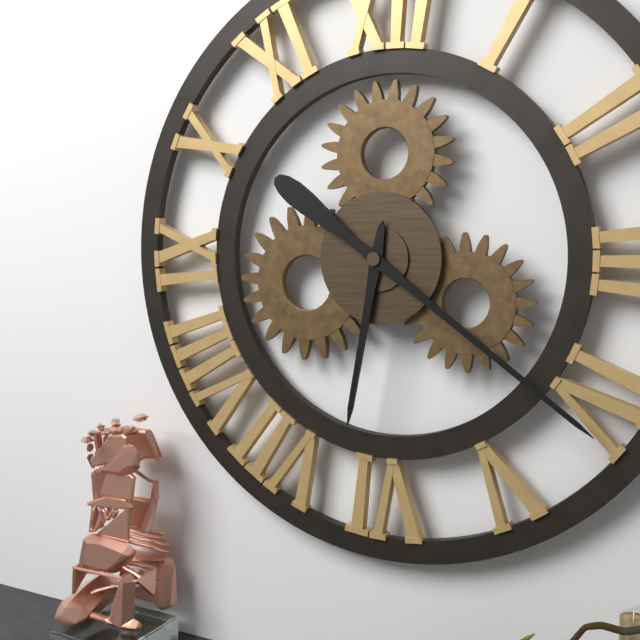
6,21
